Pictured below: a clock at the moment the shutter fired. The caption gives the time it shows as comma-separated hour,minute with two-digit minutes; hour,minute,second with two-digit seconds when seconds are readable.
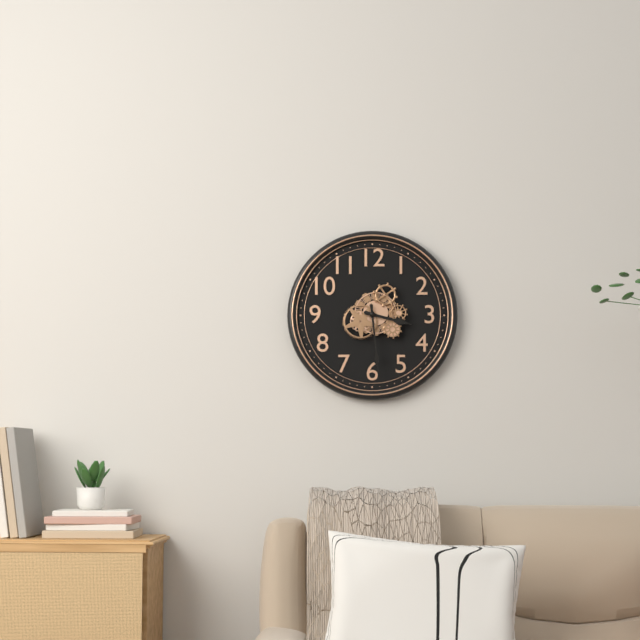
3,29
